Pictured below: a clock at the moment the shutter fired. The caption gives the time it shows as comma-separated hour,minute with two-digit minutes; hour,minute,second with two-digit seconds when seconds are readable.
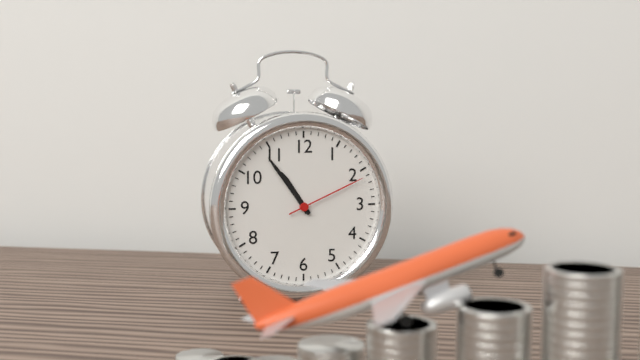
10,54,11
